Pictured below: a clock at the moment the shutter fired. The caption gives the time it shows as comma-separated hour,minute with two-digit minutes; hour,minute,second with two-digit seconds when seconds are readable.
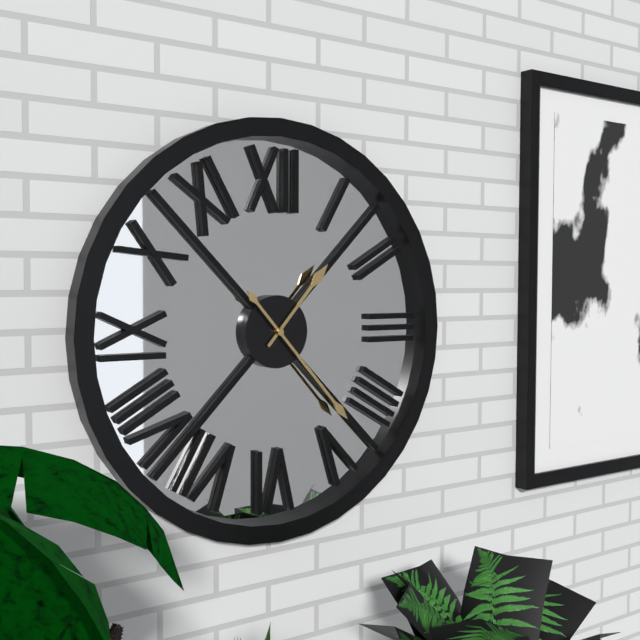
1,23
